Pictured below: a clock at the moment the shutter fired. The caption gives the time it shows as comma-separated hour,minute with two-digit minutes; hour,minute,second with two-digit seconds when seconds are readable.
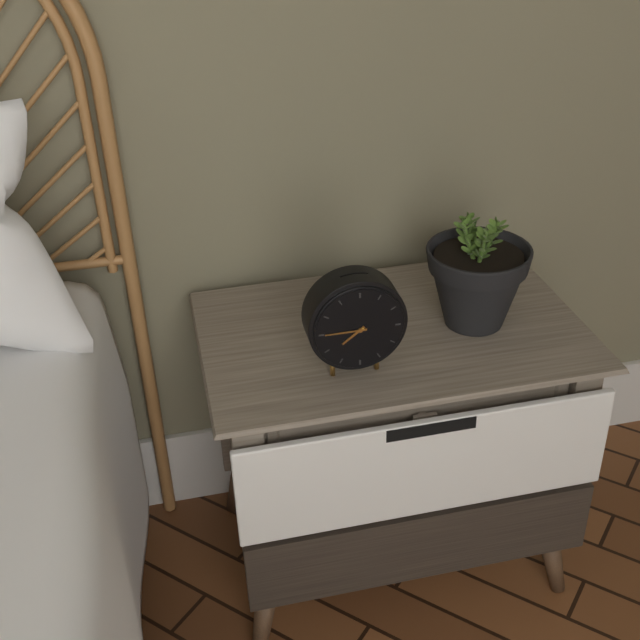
7,45
